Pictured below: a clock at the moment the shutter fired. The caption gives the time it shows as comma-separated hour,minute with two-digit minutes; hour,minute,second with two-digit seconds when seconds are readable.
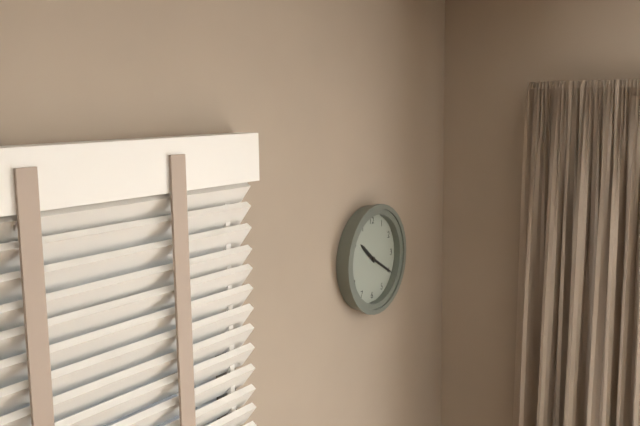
10,20
